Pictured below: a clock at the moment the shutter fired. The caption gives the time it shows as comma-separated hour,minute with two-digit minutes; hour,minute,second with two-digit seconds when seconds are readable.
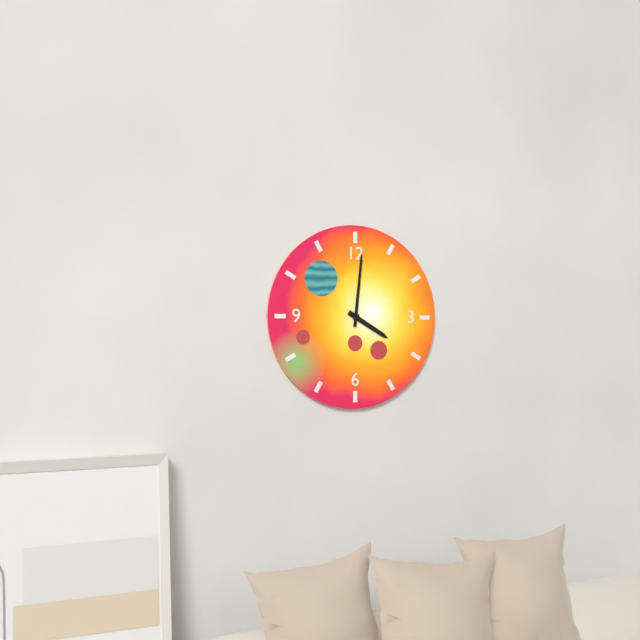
4,01
